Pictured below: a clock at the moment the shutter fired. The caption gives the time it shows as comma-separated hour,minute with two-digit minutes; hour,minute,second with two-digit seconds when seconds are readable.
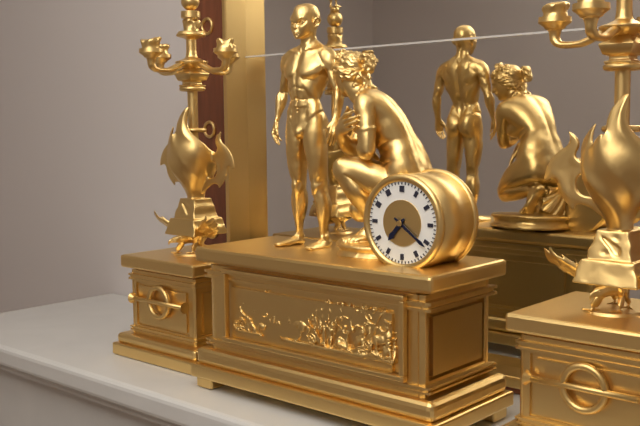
7,21
